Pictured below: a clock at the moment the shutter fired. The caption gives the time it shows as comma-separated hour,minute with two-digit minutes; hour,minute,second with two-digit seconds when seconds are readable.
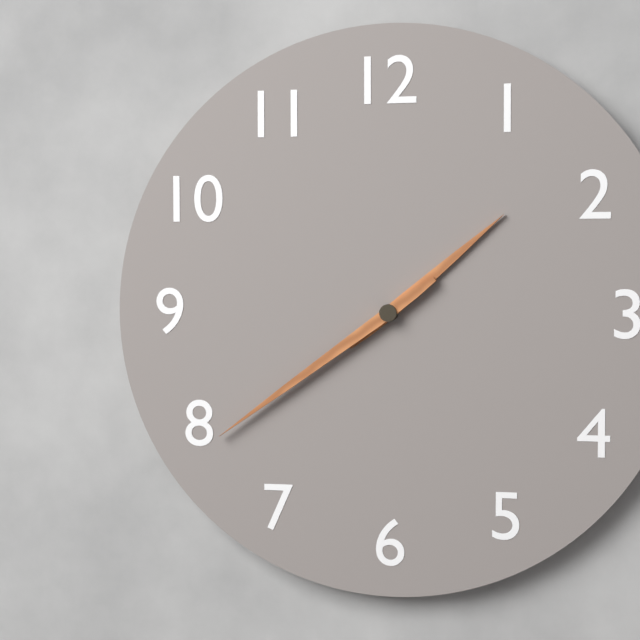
1,39
